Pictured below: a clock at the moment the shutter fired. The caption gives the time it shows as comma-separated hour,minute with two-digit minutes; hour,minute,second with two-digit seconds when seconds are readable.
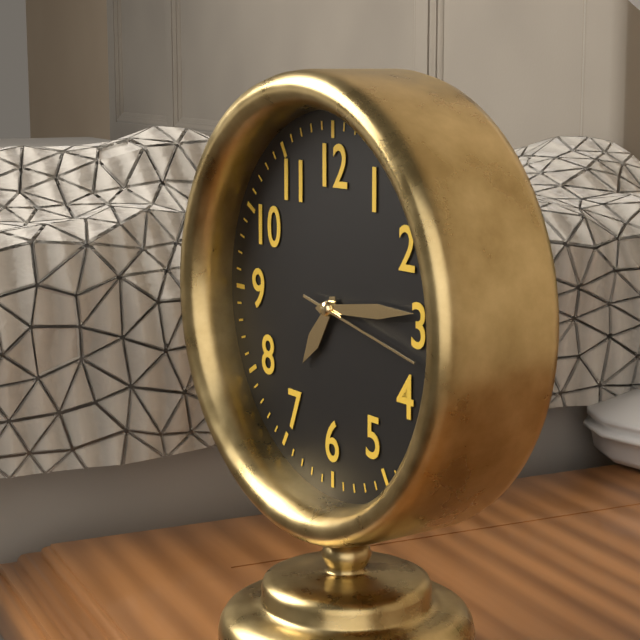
7,14,17
